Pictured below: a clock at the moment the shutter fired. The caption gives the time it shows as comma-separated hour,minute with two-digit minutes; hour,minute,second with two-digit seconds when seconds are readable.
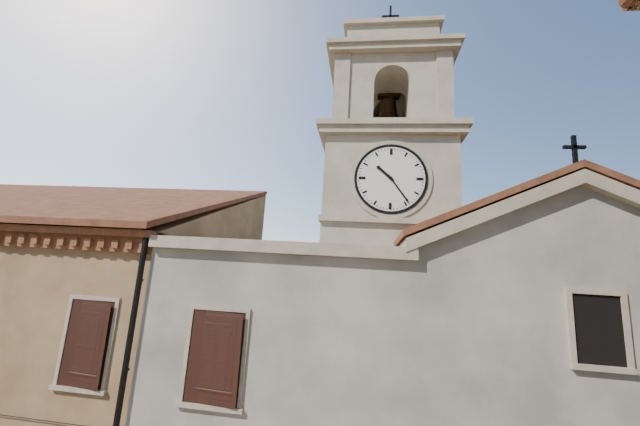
10,24
